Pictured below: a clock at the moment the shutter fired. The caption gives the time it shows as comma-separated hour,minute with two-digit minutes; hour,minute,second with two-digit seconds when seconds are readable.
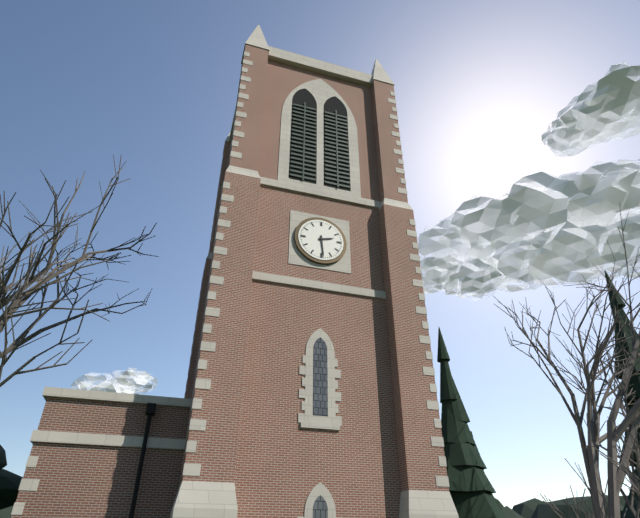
2,29
